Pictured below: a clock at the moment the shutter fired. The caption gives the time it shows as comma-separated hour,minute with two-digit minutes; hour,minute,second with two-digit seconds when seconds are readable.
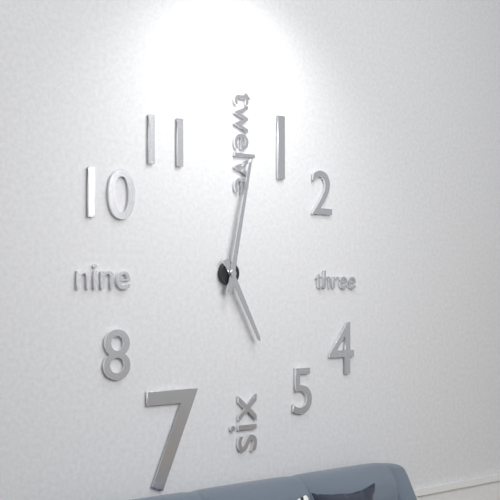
5,02
